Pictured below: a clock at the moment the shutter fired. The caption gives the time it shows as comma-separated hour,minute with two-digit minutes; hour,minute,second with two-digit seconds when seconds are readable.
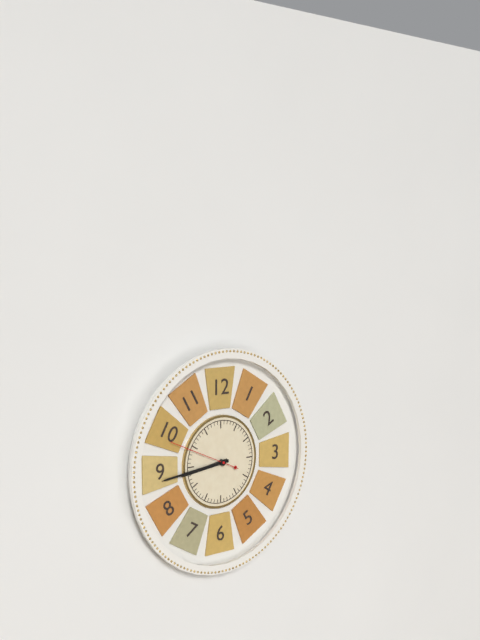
8,44,49
